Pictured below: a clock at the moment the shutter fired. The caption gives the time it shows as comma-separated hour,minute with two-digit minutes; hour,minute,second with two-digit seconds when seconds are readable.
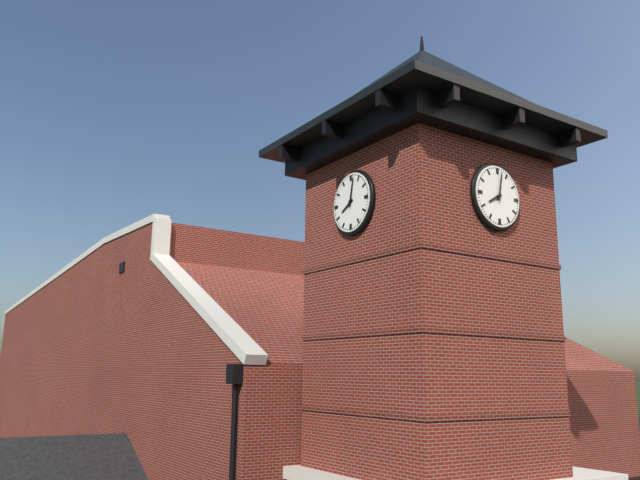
8,02
